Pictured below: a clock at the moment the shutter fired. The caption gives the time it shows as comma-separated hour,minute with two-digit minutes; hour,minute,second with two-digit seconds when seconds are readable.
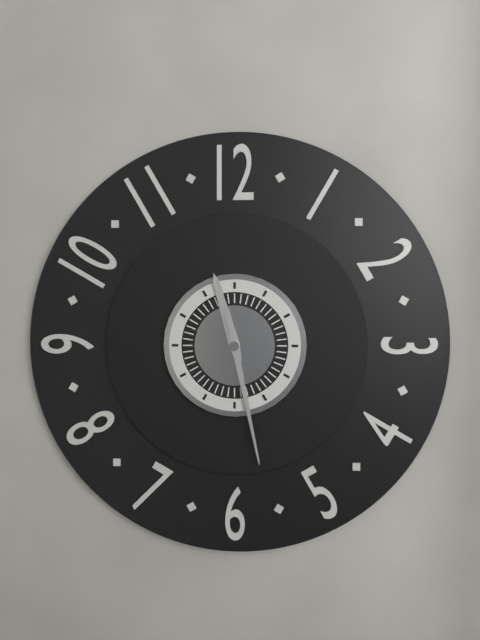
11,28
